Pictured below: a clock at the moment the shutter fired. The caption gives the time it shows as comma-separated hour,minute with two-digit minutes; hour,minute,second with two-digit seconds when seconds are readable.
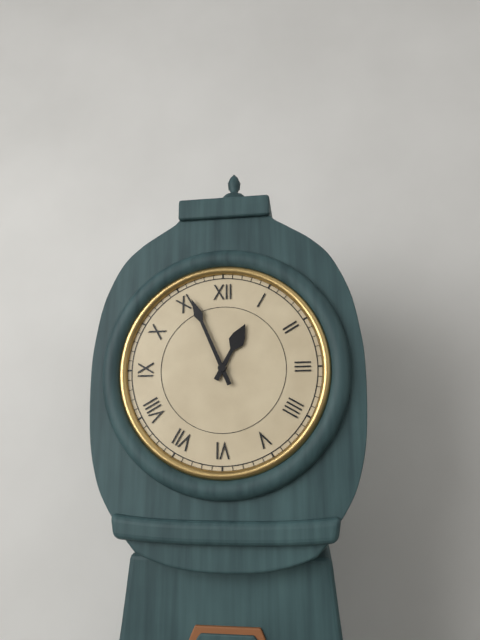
12,56
